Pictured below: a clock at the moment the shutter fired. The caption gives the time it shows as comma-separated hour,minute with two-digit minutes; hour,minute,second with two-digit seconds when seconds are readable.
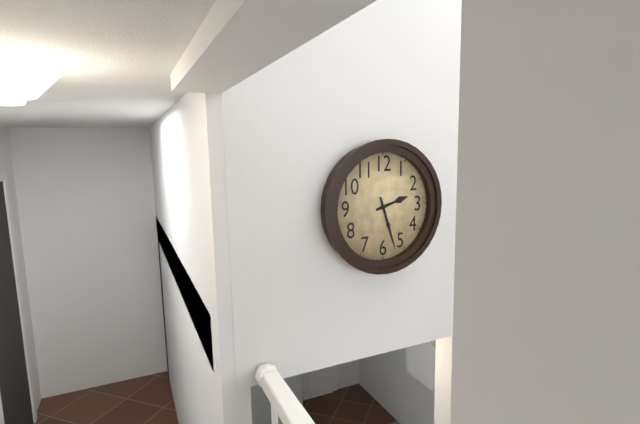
2,27
